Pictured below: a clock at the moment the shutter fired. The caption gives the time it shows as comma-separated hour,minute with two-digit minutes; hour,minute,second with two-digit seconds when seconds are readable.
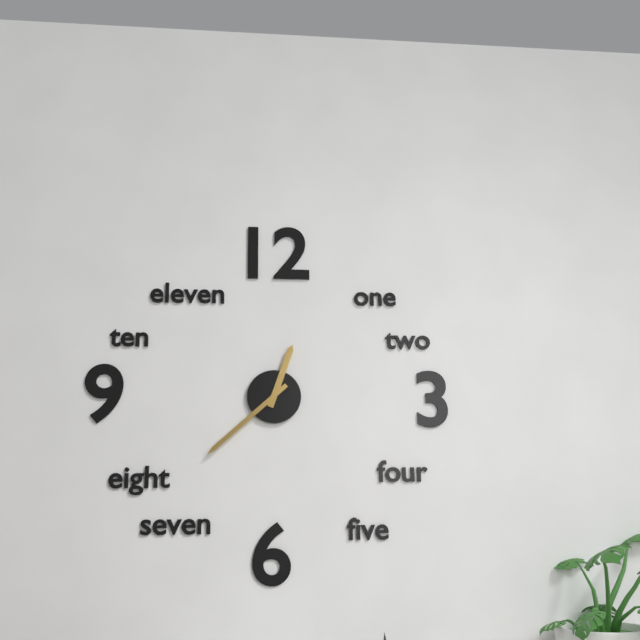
12,38
